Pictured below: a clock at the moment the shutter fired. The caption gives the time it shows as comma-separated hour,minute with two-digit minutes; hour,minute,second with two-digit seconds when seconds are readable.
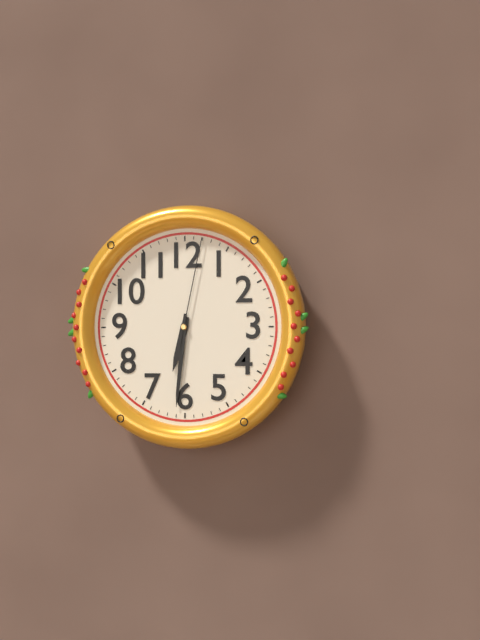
6,31,02
